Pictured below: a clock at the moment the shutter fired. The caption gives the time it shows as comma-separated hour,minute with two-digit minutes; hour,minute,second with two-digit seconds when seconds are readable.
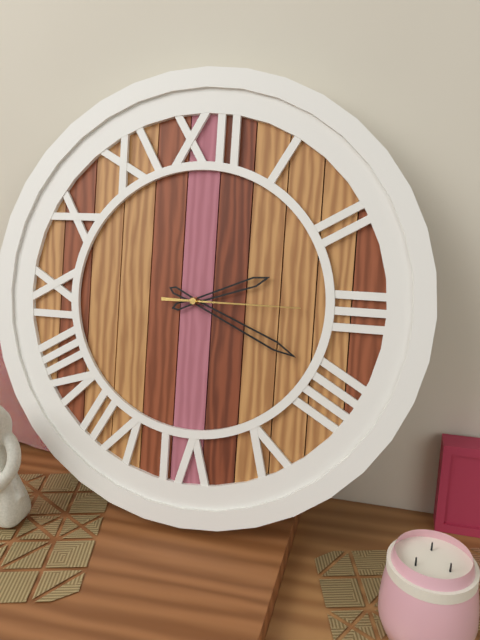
2,19,15
